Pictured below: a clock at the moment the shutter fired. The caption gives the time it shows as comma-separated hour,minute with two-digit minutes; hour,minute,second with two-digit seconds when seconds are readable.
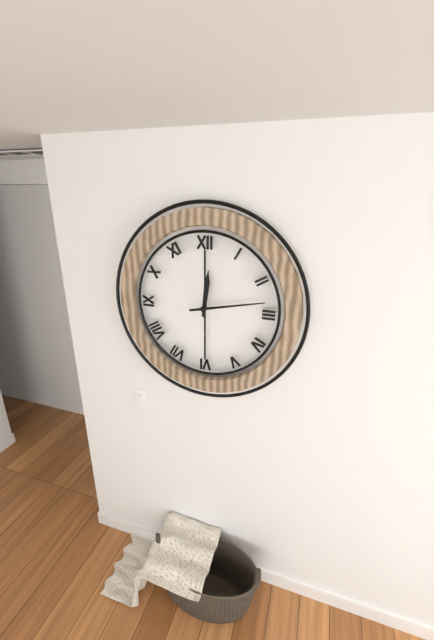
12,13
